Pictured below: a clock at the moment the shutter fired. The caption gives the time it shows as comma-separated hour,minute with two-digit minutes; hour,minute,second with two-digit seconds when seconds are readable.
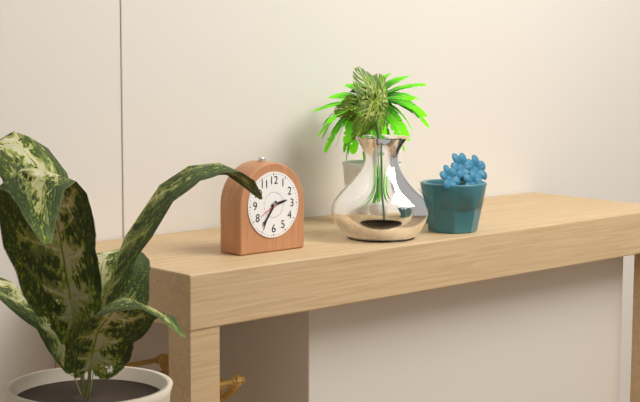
2,36
